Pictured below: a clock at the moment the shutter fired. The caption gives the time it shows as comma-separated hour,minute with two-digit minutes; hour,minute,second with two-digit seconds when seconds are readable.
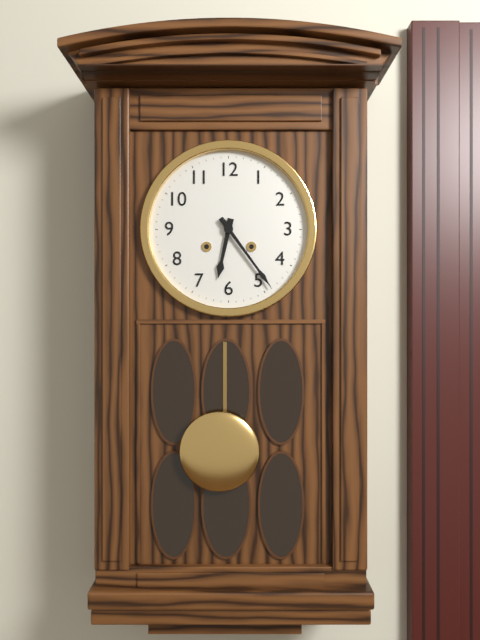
6,24
